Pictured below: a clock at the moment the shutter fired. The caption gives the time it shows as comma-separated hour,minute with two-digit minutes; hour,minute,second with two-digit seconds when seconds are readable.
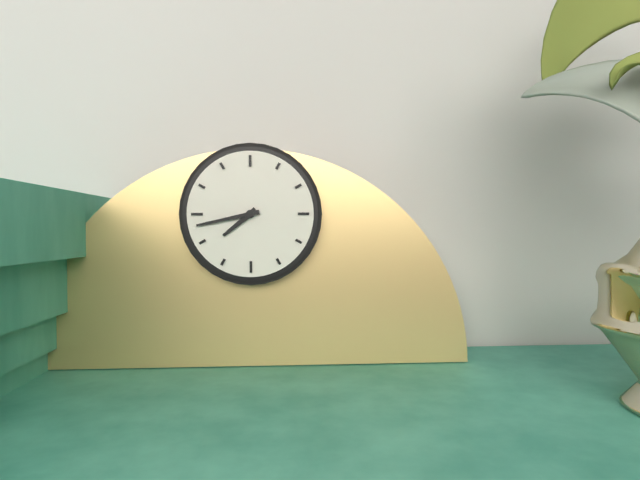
7,43
